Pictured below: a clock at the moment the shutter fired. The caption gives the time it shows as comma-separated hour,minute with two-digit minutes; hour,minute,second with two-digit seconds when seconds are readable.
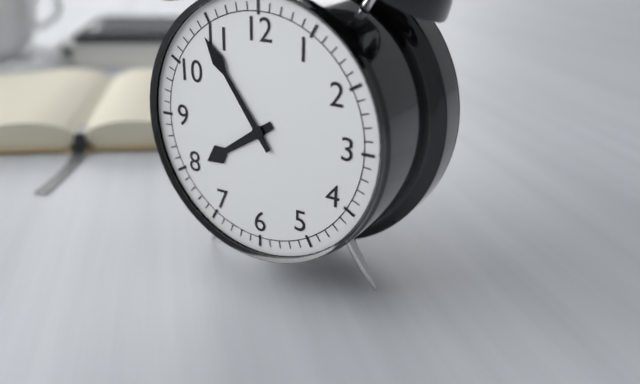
7,54
